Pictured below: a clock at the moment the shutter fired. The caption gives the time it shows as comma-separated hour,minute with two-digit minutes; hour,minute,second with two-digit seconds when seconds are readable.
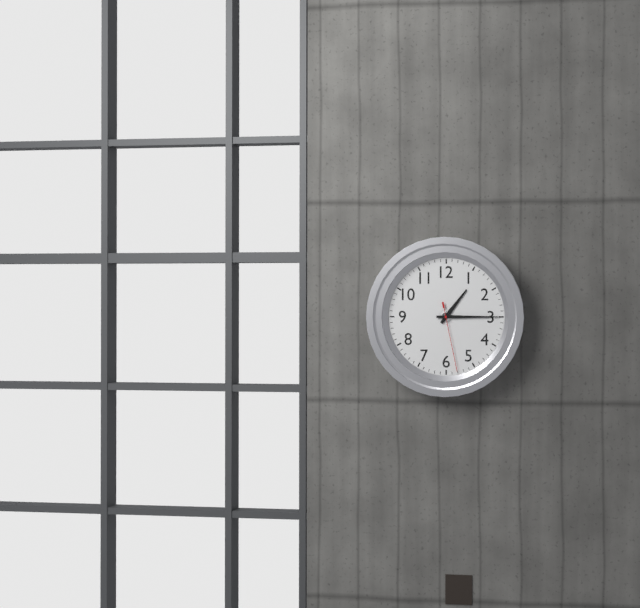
1,15,28
